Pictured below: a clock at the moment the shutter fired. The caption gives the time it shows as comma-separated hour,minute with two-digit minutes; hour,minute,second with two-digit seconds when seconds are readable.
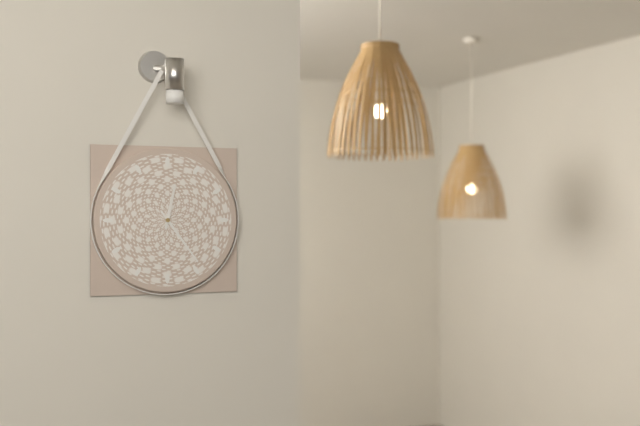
12,24
